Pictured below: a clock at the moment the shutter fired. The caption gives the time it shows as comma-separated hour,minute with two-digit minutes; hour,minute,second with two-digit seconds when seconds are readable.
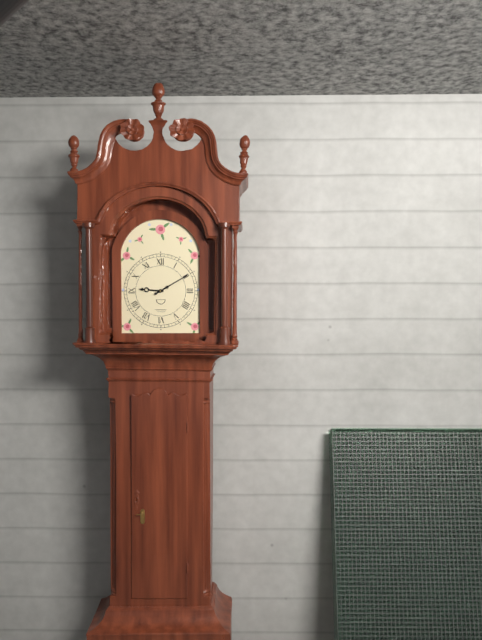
9,10
